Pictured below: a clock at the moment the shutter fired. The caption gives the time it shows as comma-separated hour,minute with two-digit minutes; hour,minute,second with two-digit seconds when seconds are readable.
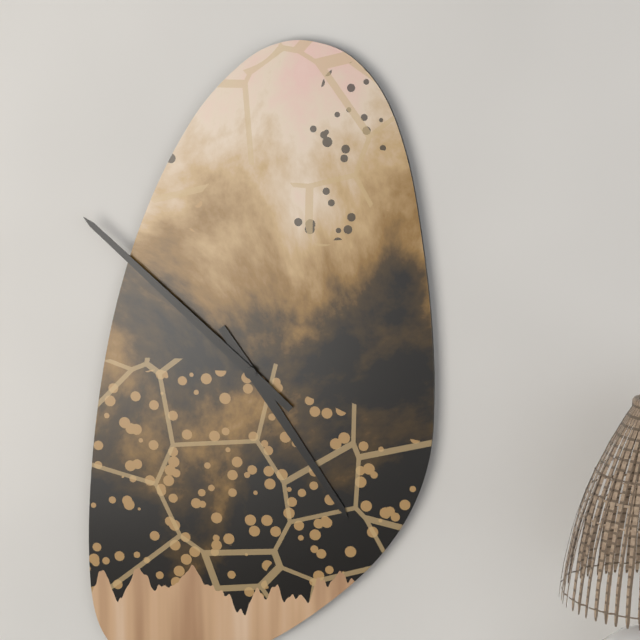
4,52
